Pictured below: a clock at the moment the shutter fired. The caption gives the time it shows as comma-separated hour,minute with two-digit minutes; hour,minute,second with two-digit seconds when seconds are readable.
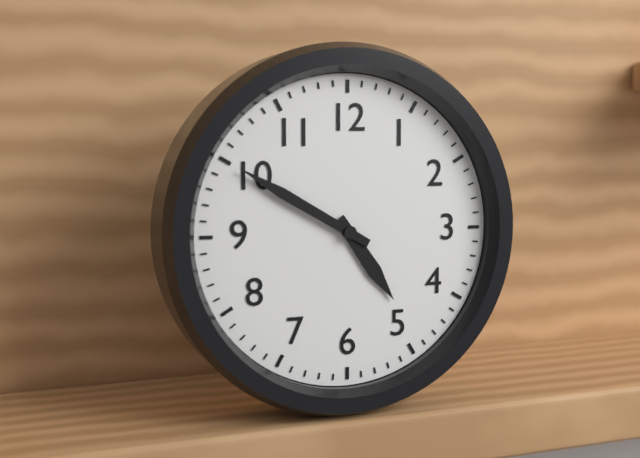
4,50
